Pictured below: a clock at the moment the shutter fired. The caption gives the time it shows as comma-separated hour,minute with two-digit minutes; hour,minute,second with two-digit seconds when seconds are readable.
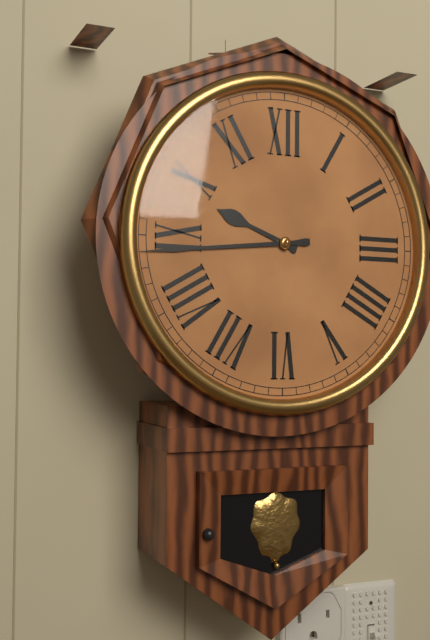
9,44
